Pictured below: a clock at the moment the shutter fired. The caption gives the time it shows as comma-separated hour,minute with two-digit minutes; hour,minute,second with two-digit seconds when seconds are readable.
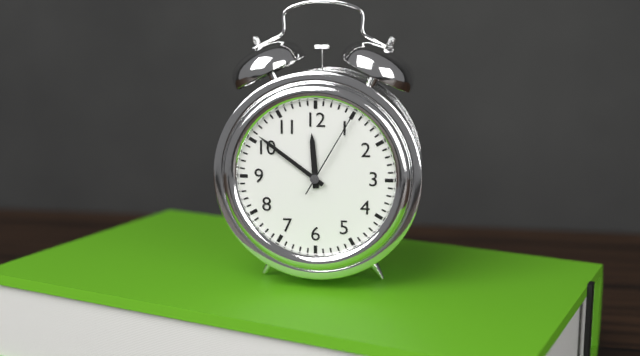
11,51,05
